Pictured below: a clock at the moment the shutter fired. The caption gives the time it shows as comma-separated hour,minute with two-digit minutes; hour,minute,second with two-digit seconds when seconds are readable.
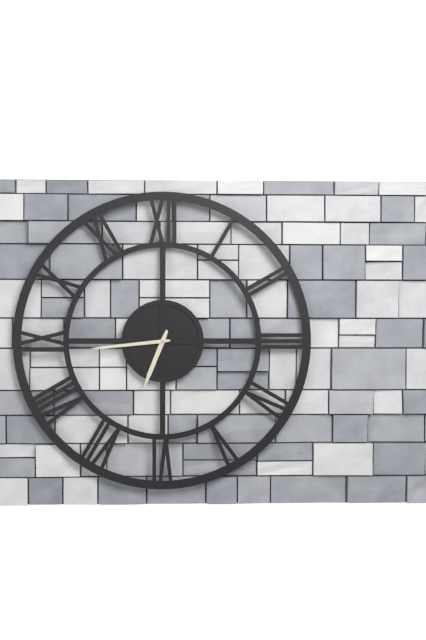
6,44
